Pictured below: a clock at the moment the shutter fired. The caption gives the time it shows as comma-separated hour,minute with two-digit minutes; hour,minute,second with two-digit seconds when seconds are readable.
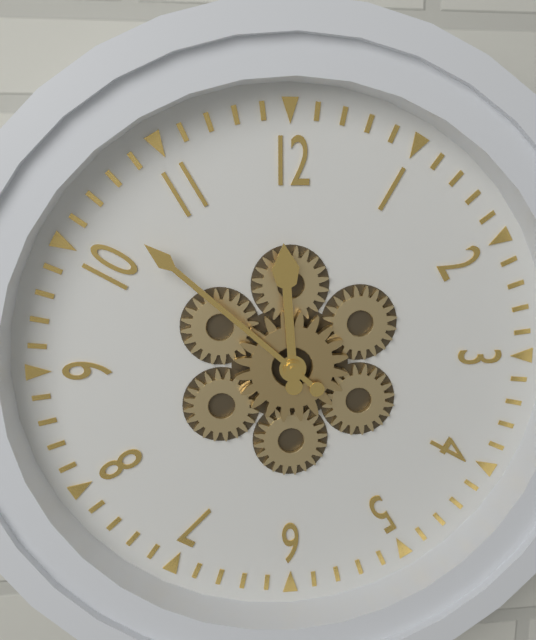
11,52
